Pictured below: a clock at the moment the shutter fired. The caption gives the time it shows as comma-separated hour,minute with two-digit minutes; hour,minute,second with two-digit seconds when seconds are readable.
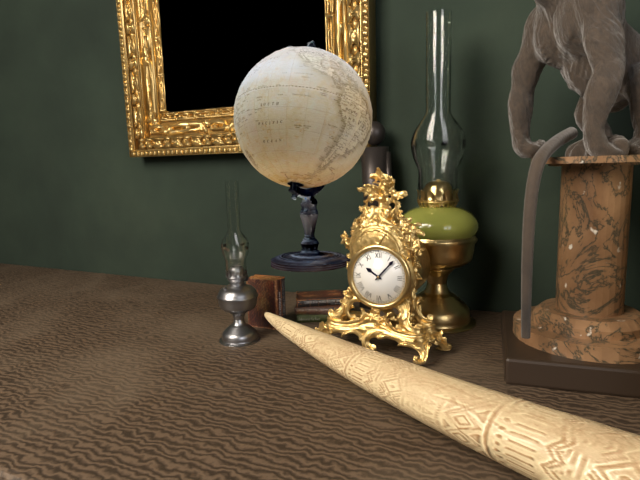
10,07
